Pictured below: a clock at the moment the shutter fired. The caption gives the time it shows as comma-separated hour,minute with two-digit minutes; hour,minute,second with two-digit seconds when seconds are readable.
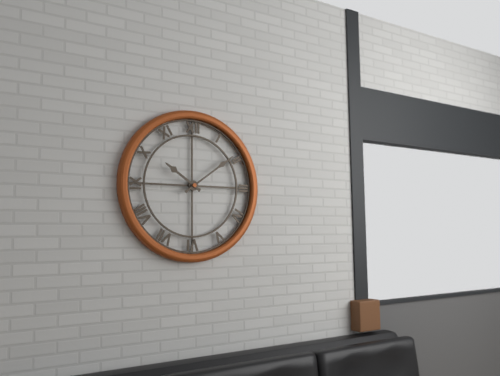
10,09
